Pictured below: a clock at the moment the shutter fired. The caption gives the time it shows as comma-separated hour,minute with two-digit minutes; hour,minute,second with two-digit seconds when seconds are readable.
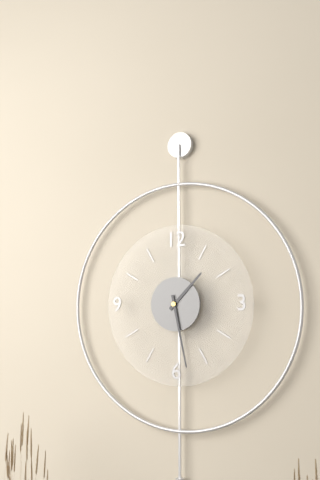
1,28
